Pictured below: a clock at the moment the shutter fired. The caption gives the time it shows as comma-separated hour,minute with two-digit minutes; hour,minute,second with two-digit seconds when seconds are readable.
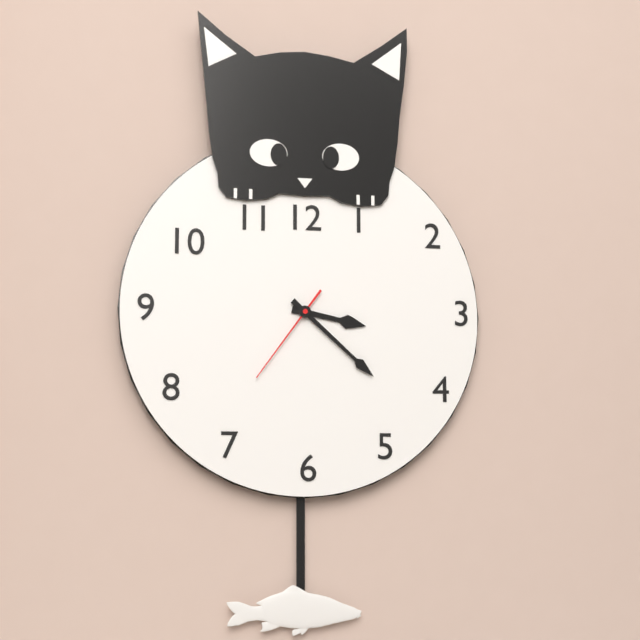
3,22,36
